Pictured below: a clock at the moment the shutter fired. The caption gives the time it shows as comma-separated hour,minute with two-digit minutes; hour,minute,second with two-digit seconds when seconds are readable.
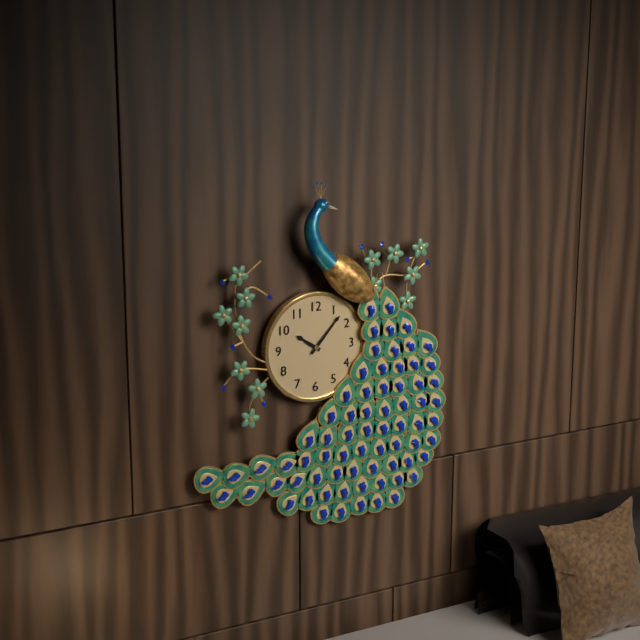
10,07
